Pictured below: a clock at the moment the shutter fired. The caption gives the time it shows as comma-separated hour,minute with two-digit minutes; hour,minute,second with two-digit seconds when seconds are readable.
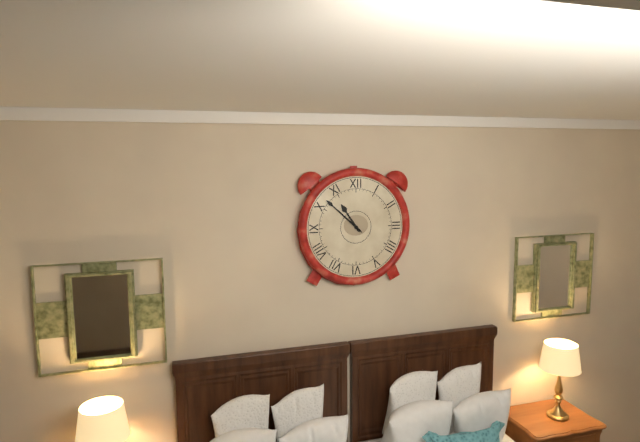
10,52
